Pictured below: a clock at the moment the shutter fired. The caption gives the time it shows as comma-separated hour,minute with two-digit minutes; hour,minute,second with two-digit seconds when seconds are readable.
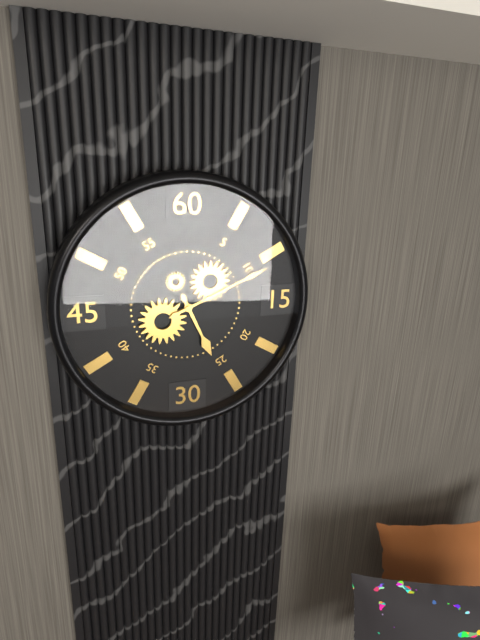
5,11
